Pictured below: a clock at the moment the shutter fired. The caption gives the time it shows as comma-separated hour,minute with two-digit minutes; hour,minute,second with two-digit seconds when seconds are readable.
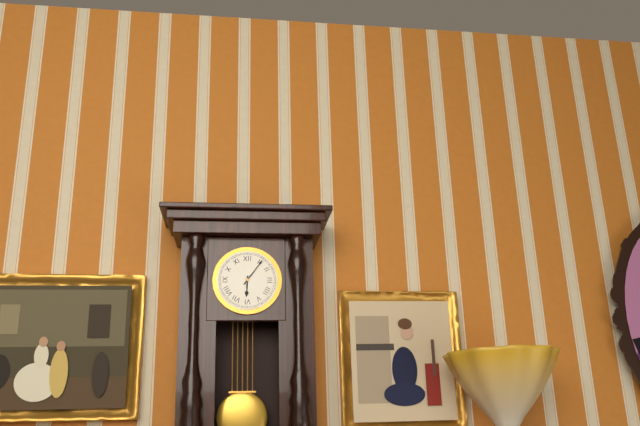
6,06
